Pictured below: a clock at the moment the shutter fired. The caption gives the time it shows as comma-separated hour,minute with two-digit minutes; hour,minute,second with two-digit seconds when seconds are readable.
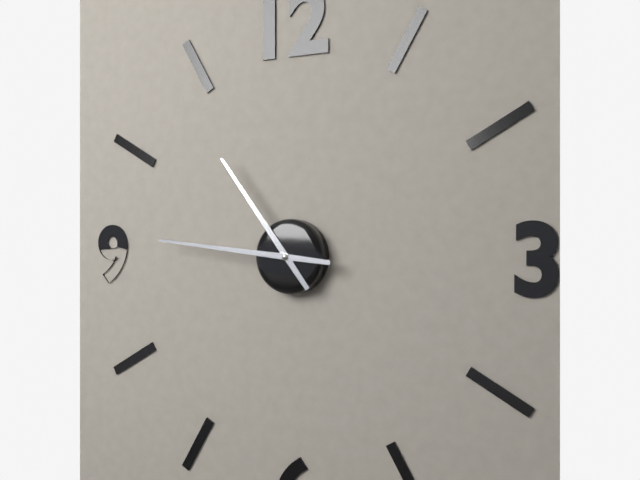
10,46
